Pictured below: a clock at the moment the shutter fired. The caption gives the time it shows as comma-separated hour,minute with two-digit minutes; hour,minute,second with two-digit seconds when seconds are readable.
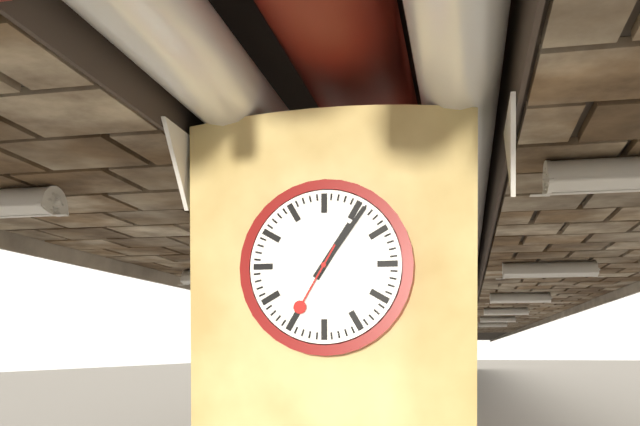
1,06,35
